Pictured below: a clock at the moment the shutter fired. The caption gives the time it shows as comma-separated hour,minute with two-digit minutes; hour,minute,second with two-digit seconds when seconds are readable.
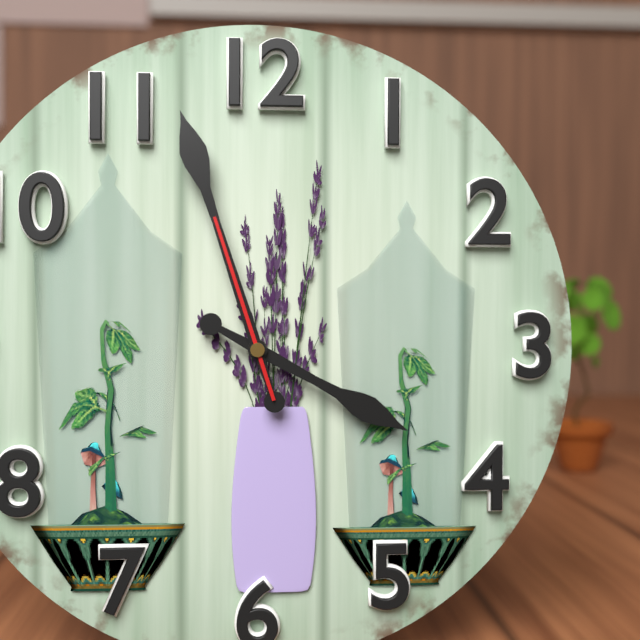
3,57,57
